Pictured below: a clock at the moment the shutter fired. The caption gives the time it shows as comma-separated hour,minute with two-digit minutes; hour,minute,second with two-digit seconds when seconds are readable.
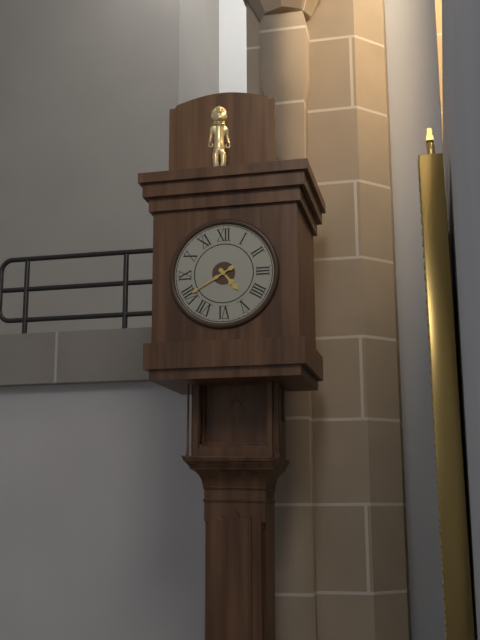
4,40
